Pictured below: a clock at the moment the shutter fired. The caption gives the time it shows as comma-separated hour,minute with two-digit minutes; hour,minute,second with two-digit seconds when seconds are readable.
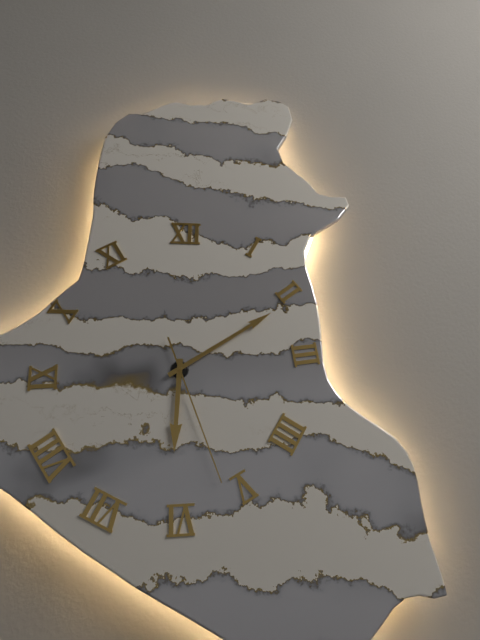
6,10,27
